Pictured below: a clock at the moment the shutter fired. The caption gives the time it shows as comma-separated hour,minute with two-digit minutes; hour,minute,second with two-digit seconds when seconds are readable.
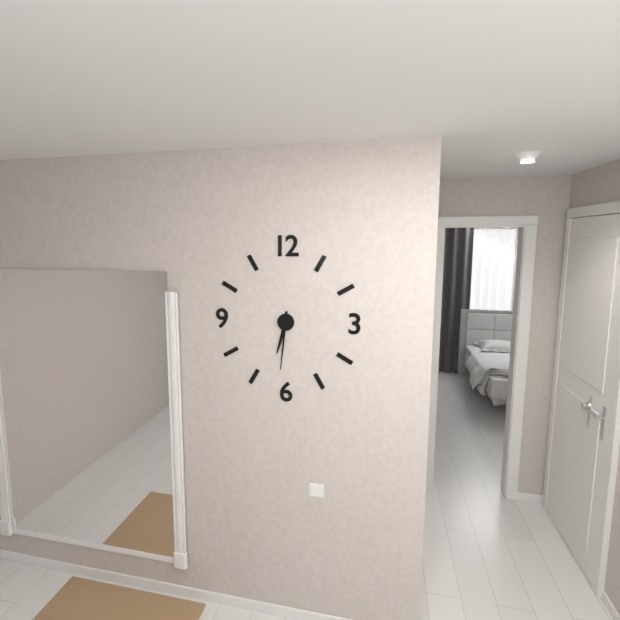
6,31
